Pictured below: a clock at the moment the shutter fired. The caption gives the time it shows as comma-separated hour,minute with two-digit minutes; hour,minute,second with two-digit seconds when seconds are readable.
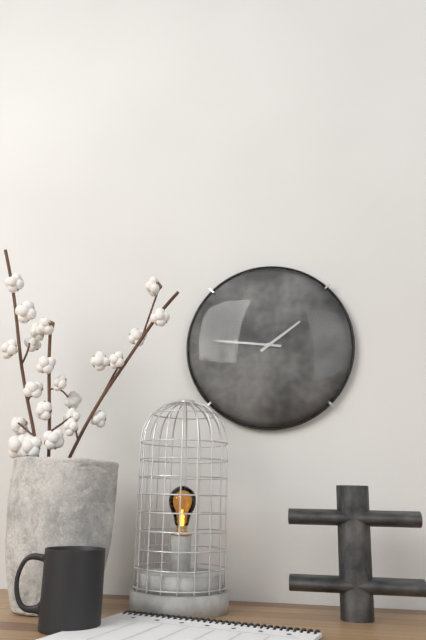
1,46
